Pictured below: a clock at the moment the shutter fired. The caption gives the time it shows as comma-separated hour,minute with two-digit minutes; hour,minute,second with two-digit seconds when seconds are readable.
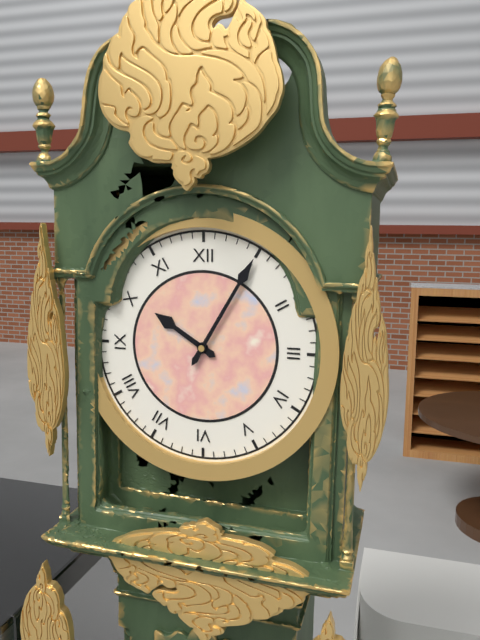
10,05
